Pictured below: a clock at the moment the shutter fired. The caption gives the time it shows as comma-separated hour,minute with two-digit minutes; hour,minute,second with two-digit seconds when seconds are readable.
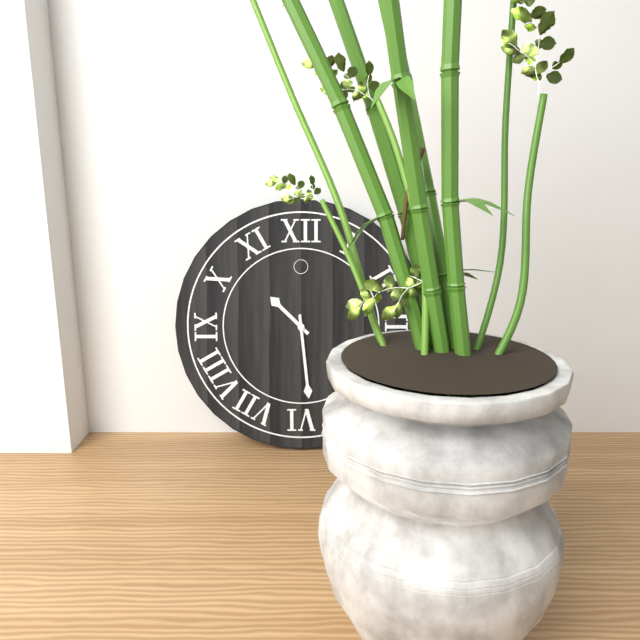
10,29
